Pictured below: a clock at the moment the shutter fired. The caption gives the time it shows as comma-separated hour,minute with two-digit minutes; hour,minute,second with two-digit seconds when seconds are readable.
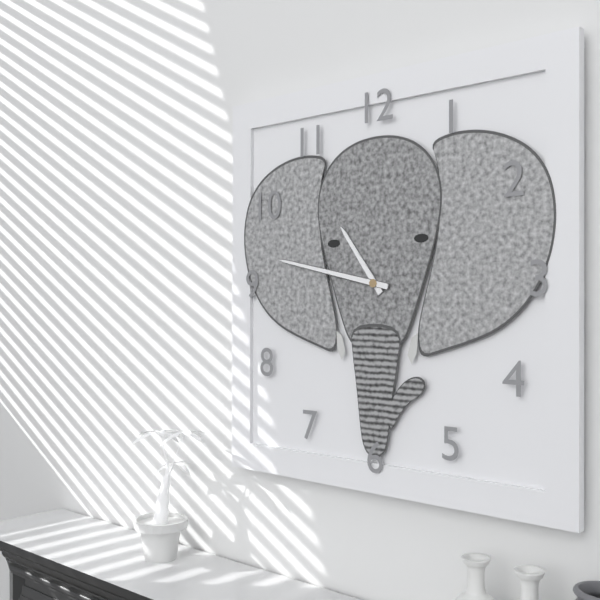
10,47
